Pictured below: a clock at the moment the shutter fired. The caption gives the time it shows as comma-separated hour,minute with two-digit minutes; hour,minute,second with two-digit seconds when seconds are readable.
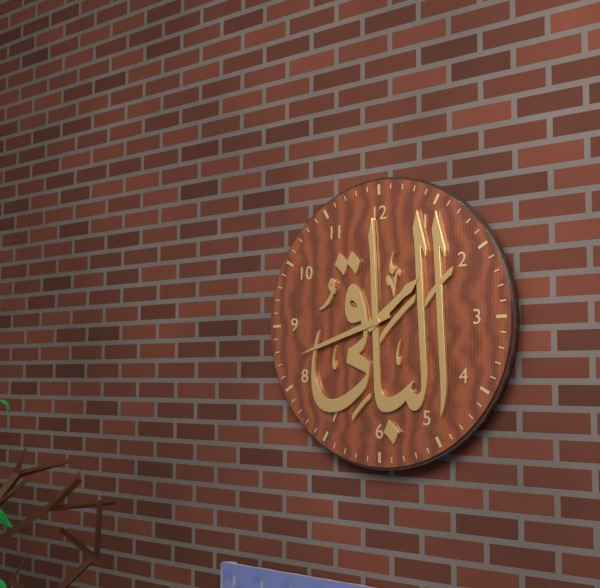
1,42
